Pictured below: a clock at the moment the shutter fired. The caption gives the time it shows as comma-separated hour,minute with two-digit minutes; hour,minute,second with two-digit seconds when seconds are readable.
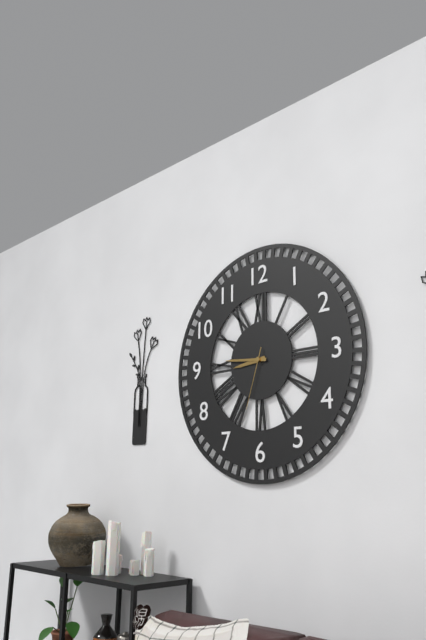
8,46,33
